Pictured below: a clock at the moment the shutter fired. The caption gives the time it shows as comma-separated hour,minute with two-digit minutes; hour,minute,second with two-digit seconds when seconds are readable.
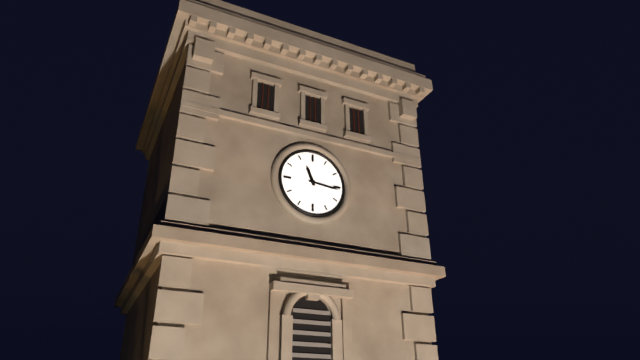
11,16
